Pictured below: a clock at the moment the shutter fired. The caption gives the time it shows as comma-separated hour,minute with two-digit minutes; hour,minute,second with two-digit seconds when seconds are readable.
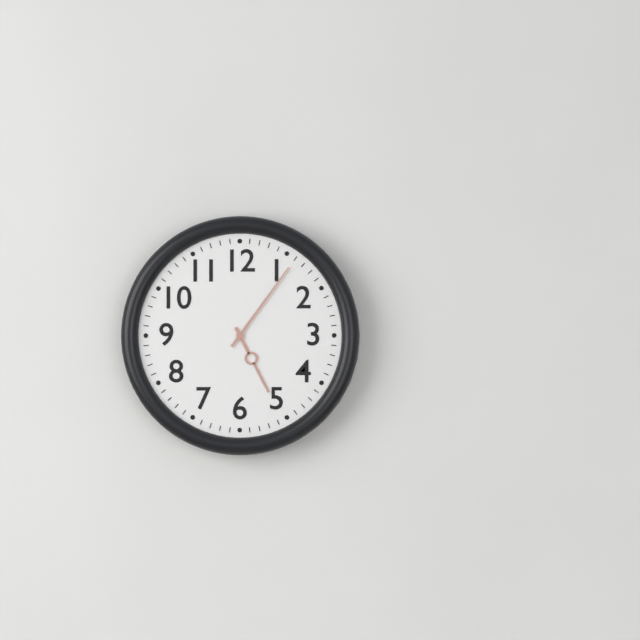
5,06
